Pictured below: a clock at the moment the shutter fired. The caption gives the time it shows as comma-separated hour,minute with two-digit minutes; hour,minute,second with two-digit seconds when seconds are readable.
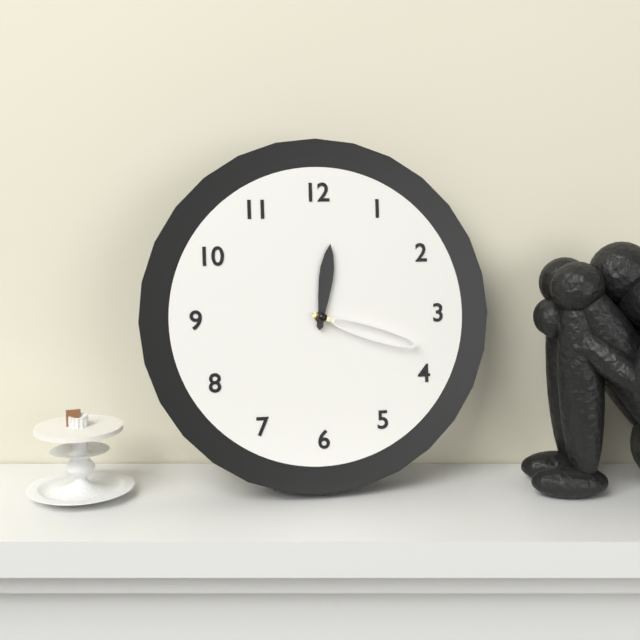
12,18
